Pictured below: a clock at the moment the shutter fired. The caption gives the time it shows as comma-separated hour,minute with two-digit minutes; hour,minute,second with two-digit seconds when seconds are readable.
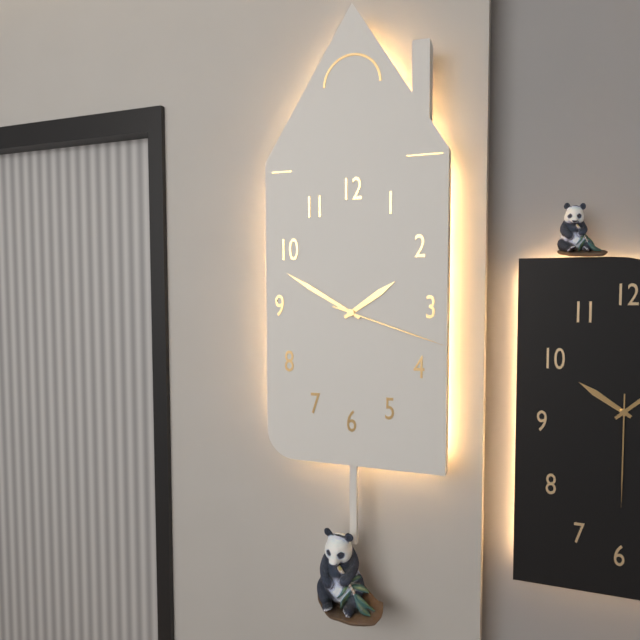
1,50,18
